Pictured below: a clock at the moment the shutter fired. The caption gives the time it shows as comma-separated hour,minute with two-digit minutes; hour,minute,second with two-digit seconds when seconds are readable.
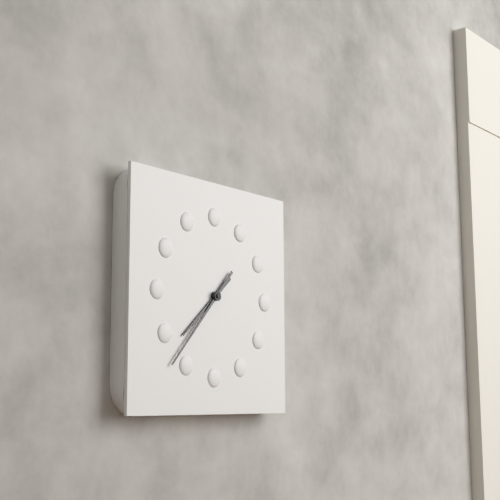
7,37
